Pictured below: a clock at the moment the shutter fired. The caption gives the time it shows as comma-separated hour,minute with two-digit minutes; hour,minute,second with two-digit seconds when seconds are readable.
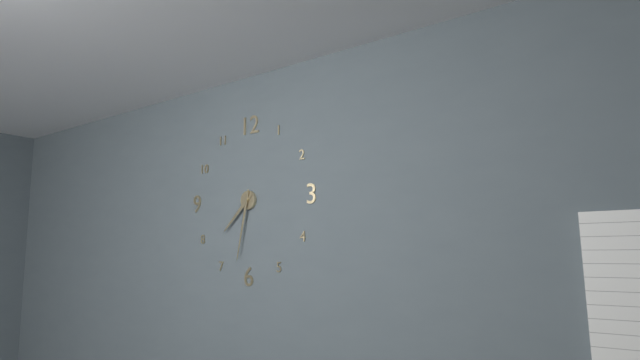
7,32
